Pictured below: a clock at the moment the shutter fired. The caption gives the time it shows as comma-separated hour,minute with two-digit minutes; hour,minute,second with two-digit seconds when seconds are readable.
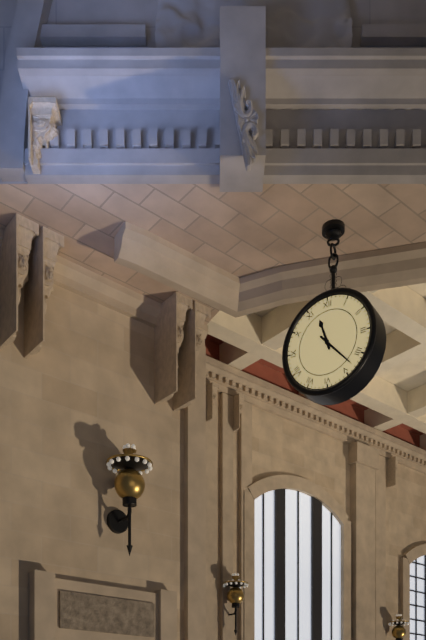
11,23
